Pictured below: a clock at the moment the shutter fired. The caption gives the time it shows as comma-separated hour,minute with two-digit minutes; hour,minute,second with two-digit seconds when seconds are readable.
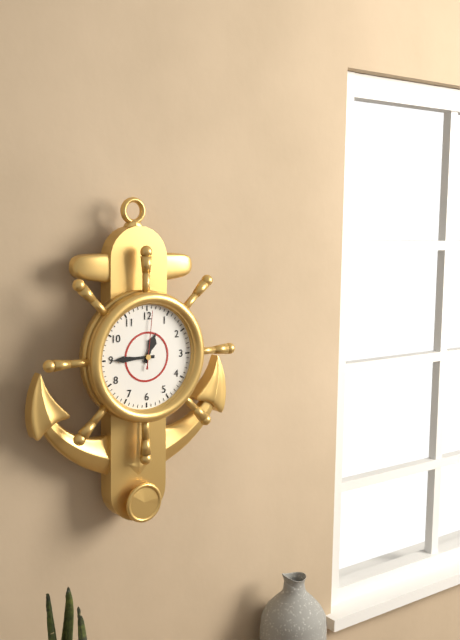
12,45,01
